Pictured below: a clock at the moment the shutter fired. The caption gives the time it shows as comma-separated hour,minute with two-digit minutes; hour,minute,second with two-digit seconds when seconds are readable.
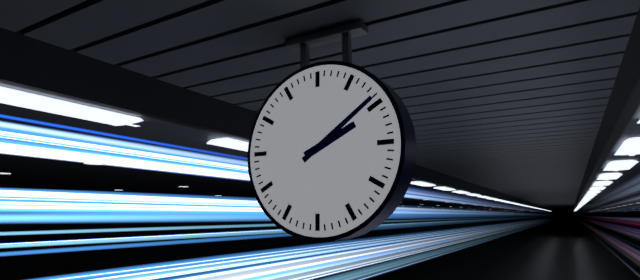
2,09
